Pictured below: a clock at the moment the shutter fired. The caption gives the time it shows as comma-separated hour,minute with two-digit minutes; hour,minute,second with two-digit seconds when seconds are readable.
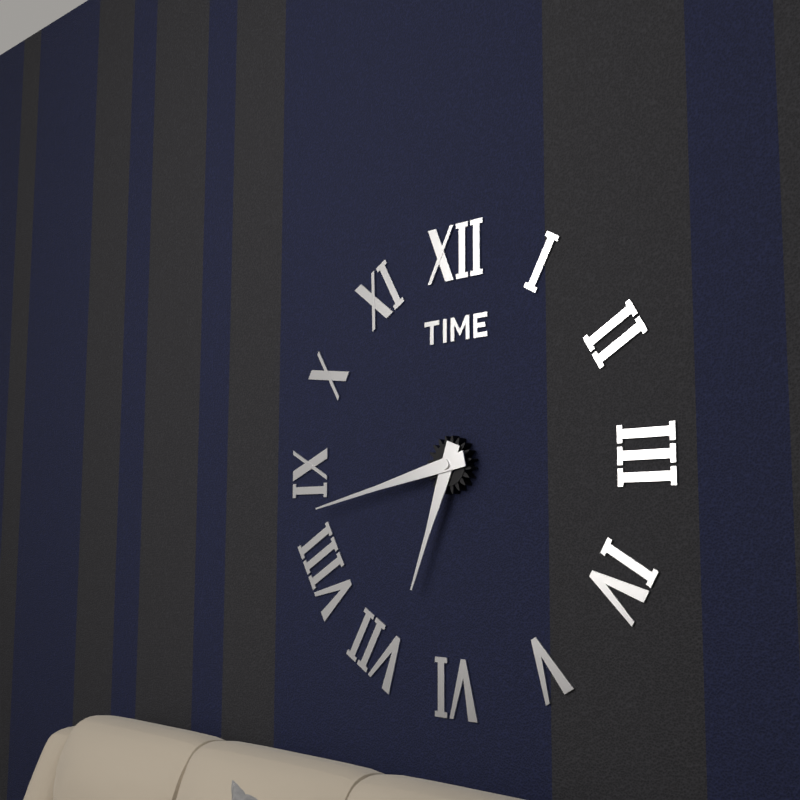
6,43
